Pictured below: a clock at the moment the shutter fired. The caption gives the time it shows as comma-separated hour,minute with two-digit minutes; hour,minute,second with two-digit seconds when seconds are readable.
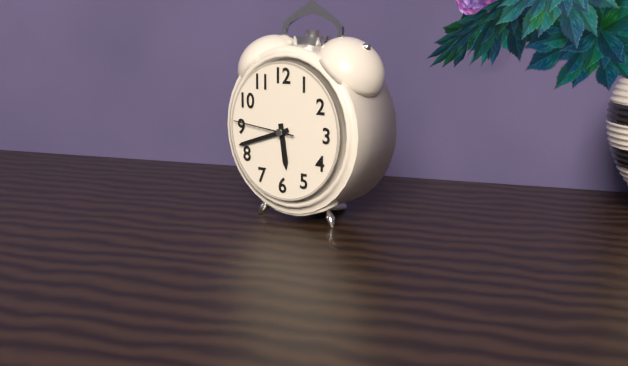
5,42,46
